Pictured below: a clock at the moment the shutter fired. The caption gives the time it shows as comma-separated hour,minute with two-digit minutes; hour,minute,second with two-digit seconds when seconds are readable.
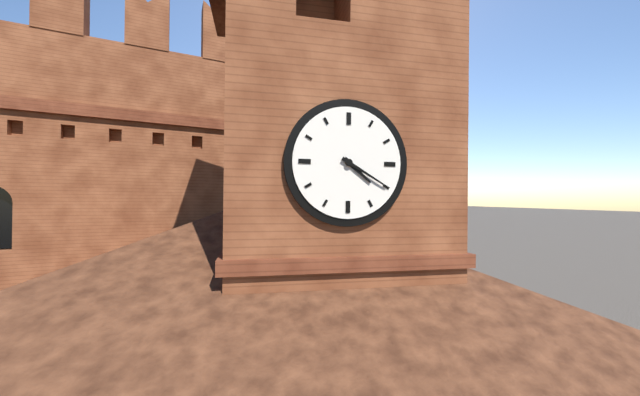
4,20
